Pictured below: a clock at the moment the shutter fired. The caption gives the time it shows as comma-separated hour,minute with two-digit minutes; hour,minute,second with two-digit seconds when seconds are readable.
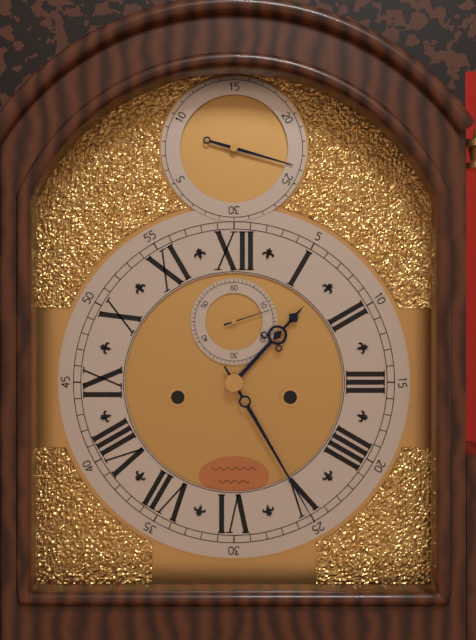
1,25
